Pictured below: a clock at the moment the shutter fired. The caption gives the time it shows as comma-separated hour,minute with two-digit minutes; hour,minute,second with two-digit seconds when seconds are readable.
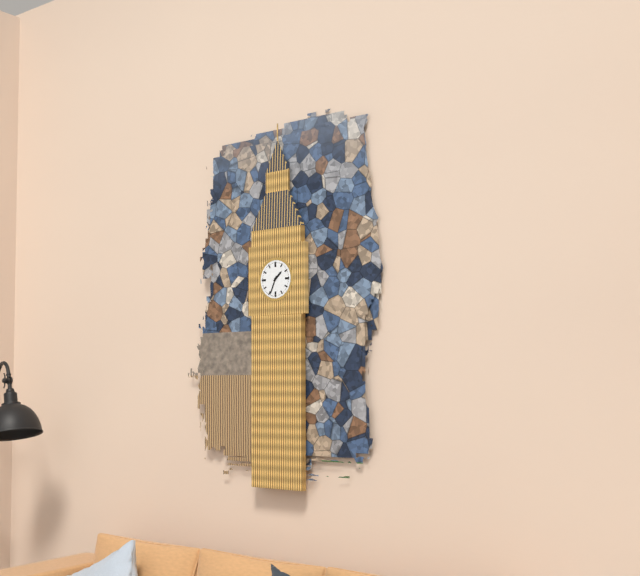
1,34
